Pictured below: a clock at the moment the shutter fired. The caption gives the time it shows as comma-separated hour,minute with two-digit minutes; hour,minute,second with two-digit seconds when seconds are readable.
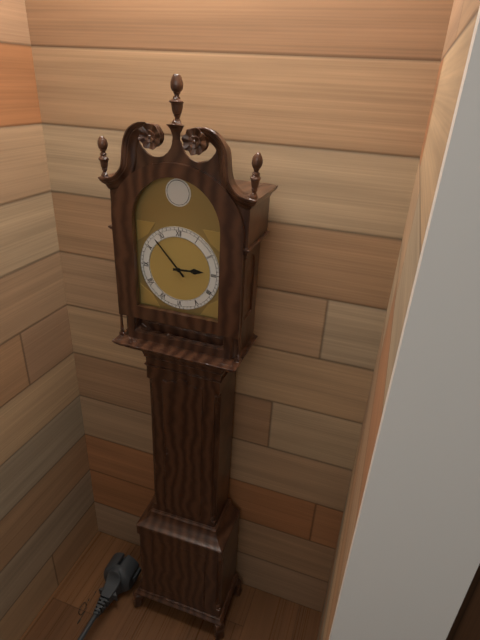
2,53
